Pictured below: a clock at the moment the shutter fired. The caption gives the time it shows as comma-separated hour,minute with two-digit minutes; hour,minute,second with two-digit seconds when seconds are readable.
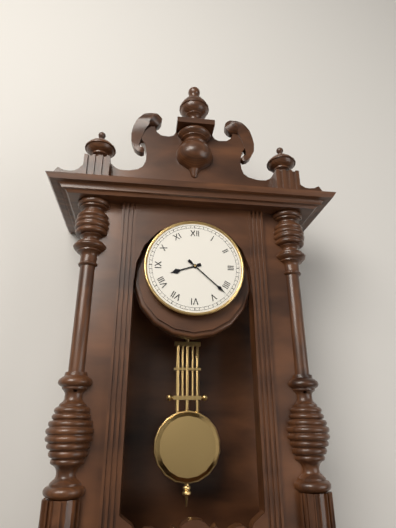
8,22
